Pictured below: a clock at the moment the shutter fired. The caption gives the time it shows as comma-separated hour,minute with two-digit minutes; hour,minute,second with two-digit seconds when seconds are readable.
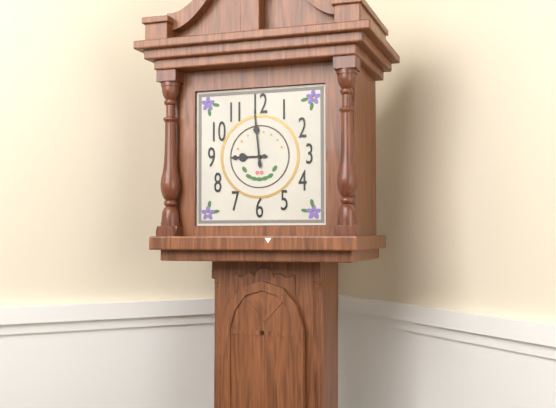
8,59
